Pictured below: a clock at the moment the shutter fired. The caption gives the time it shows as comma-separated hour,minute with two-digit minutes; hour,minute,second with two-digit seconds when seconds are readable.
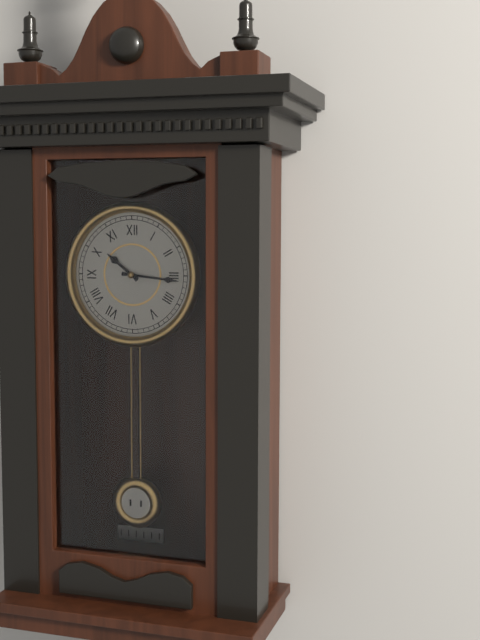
10,16
